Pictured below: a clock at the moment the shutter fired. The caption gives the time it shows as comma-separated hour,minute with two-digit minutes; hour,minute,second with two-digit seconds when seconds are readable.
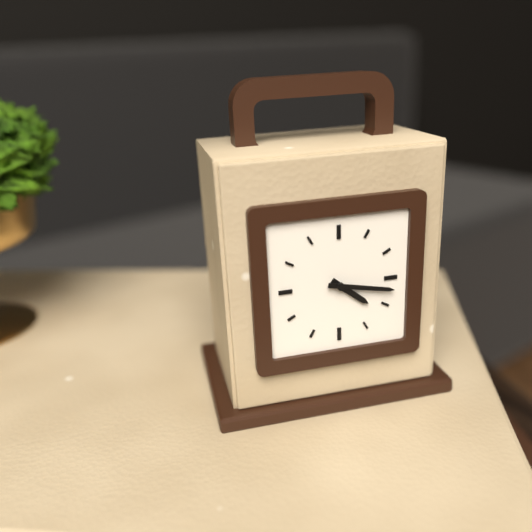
4,17
